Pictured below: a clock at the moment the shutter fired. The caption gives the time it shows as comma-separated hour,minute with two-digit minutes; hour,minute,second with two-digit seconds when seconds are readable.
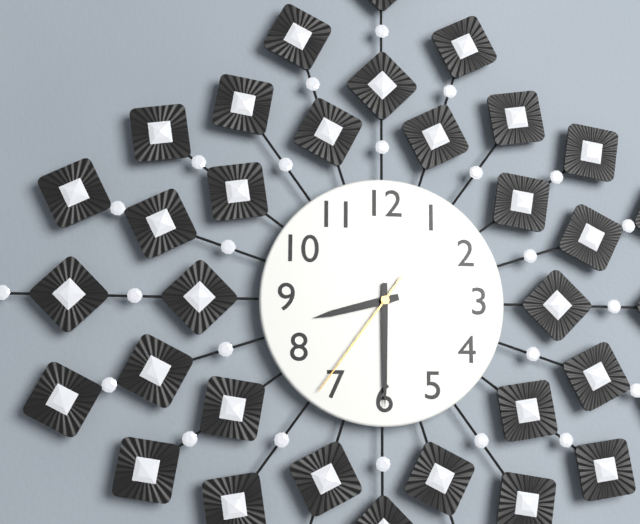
8,30,36
